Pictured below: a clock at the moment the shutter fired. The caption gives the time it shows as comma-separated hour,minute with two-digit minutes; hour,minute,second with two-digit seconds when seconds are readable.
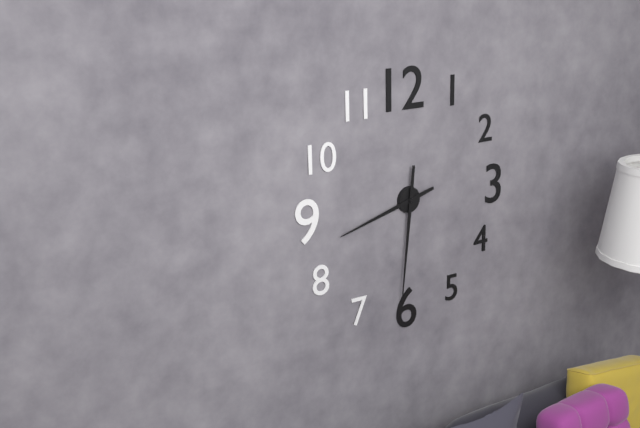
8,31
